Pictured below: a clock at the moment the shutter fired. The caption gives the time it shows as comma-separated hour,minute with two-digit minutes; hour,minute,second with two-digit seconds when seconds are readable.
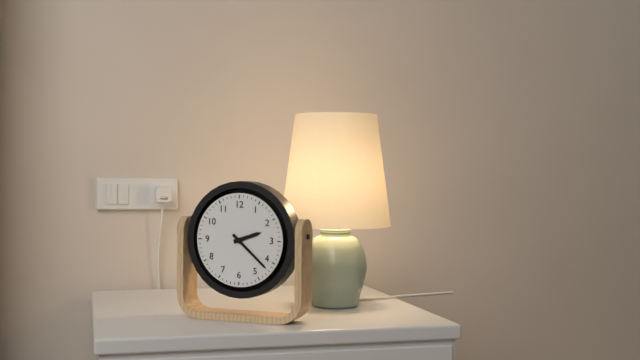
2,22
